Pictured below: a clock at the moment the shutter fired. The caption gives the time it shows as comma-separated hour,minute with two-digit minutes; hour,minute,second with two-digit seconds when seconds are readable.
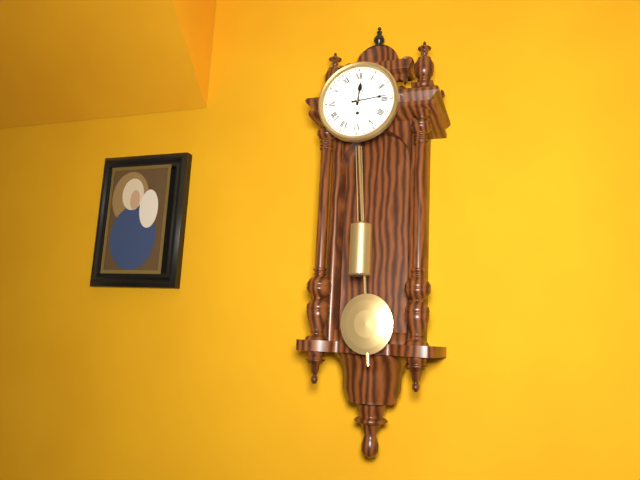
12,14
